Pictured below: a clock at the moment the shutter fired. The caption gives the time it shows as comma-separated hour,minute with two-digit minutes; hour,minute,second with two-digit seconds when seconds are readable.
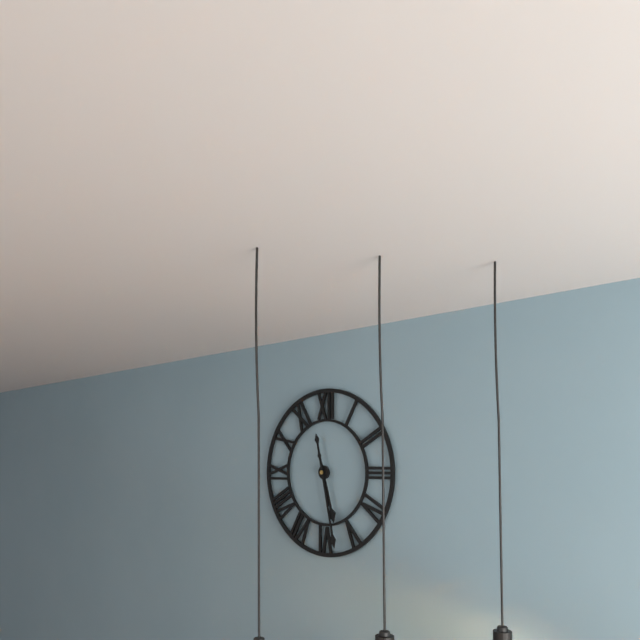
5,28
